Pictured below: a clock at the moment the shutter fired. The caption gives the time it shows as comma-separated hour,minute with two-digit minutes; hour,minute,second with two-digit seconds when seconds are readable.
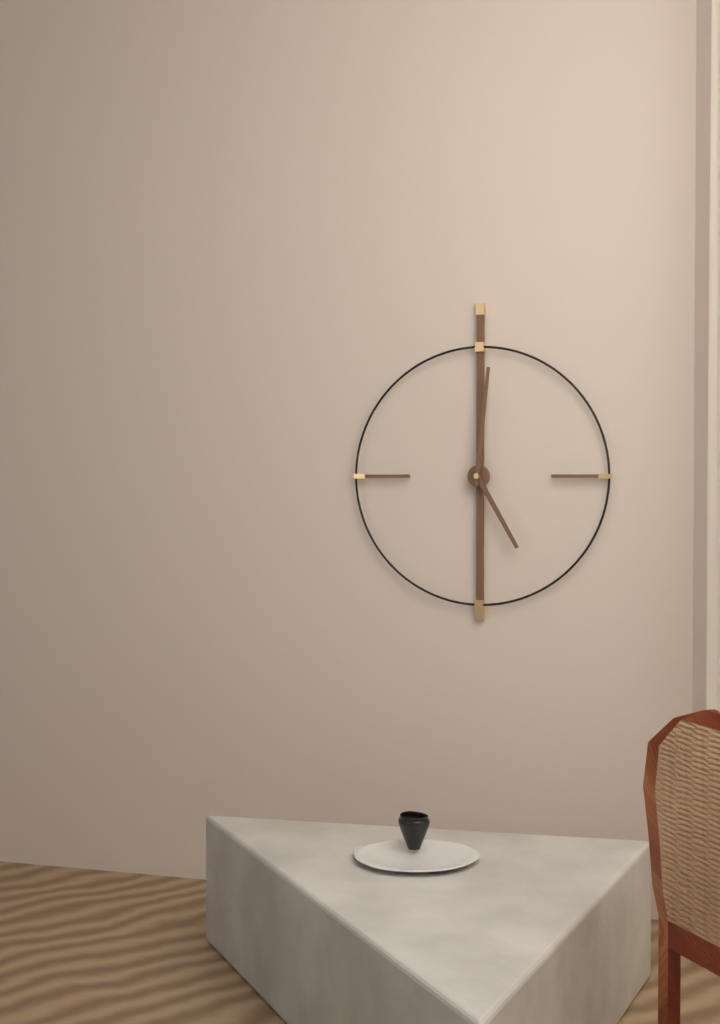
5,01
